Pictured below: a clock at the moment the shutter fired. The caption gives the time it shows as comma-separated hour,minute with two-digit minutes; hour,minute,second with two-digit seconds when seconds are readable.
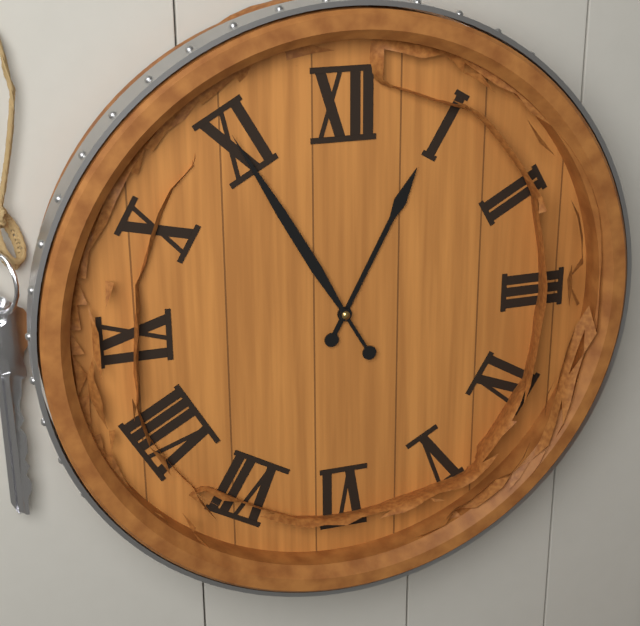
12,55
